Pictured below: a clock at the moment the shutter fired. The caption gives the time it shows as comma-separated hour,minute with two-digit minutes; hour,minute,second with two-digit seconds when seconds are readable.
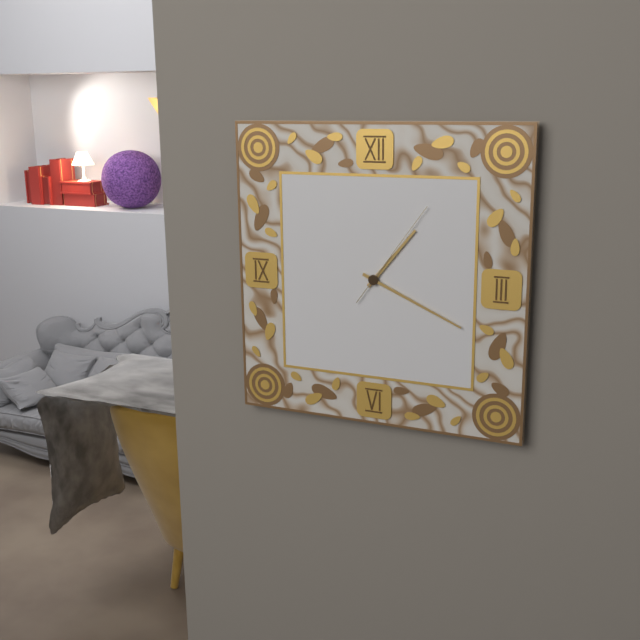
1,19,06
